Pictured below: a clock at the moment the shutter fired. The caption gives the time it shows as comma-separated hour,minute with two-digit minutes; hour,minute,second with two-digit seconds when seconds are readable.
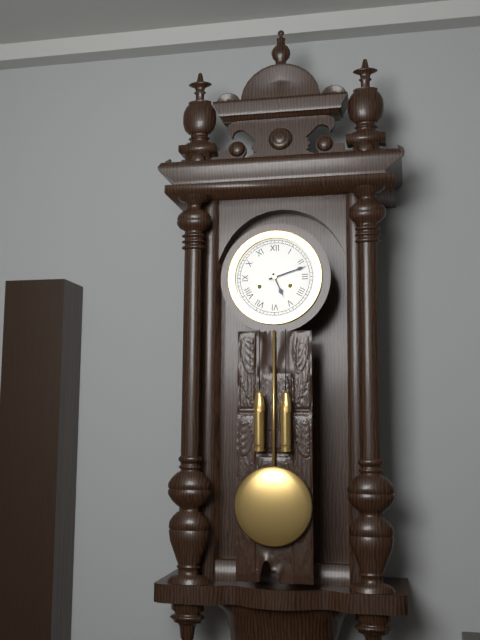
5,12
